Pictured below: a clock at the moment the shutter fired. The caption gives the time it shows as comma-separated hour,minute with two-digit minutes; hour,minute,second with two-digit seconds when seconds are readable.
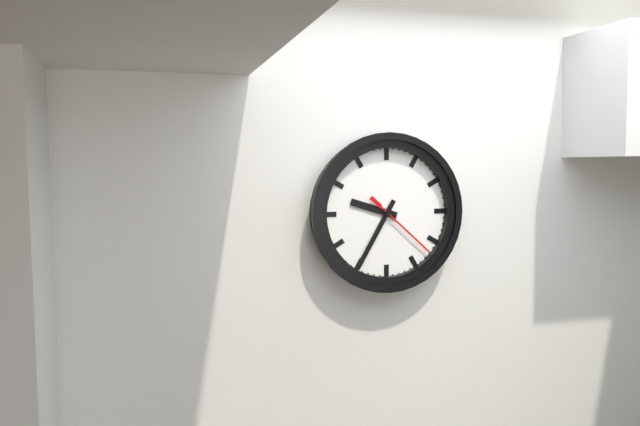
9,35,22
